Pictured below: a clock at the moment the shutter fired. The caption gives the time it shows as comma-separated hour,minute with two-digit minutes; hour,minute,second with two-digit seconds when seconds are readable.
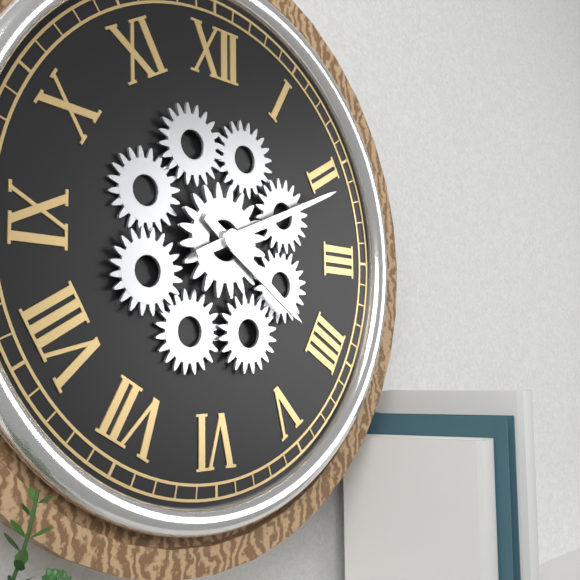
4,11
